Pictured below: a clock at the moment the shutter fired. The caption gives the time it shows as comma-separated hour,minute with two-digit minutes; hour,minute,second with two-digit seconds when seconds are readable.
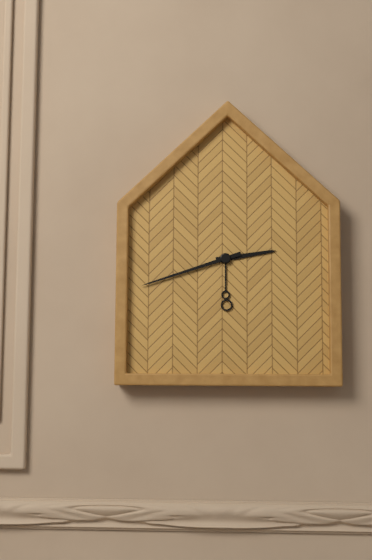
2,42
